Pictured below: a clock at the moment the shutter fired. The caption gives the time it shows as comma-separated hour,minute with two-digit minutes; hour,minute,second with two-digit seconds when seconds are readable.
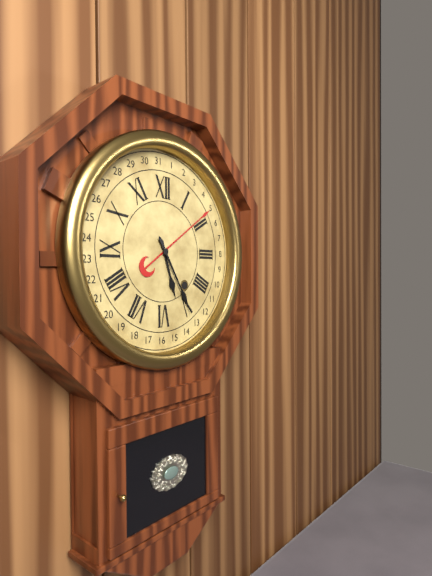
5,25
